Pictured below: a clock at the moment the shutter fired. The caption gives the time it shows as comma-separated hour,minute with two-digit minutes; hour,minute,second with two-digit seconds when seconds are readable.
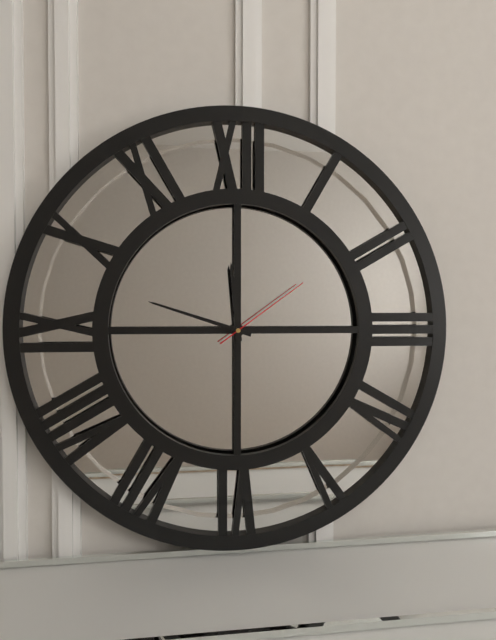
11,48,09
